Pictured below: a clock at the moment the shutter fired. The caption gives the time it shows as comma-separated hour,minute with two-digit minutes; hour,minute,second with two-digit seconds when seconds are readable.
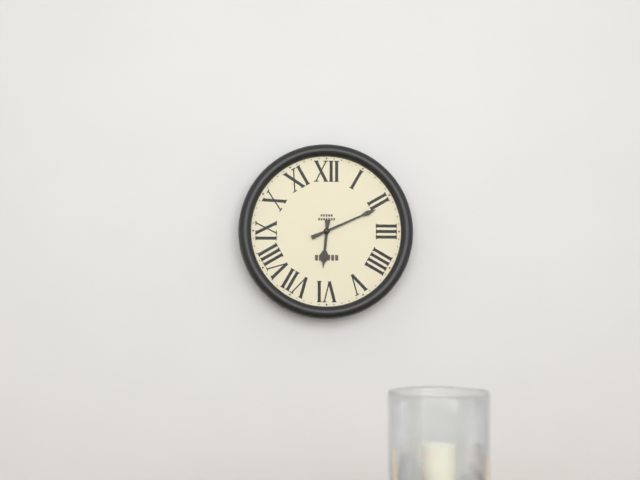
6,11
